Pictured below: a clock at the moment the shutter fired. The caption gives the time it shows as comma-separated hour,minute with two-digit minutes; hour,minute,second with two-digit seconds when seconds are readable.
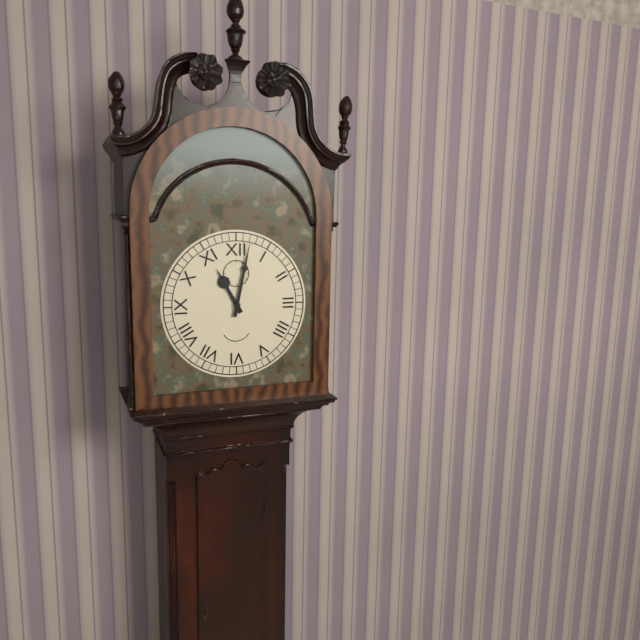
11,02
